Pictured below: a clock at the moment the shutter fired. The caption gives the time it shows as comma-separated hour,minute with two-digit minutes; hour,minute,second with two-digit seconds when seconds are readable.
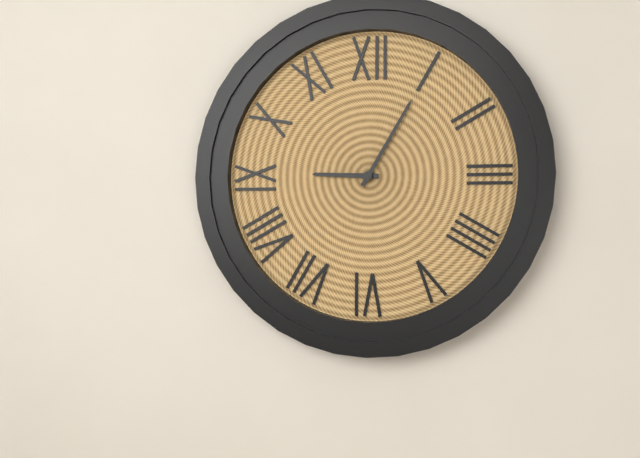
9,05
